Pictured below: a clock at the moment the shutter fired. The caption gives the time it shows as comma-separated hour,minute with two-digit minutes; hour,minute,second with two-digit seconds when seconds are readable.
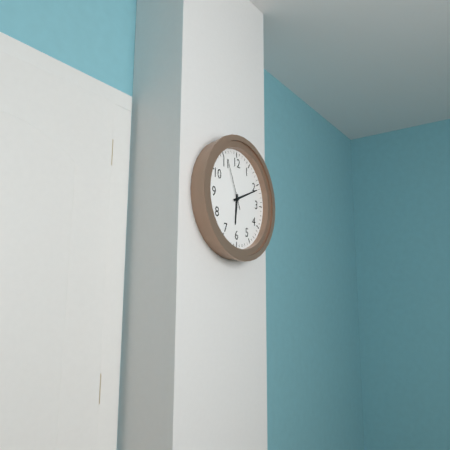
6,11,56
